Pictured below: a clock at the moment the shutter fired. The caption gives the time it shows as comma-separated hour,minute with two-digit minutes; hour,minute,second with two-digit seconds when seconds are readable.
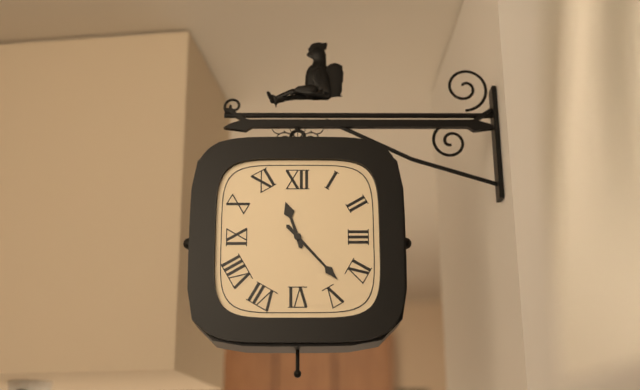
11,23
